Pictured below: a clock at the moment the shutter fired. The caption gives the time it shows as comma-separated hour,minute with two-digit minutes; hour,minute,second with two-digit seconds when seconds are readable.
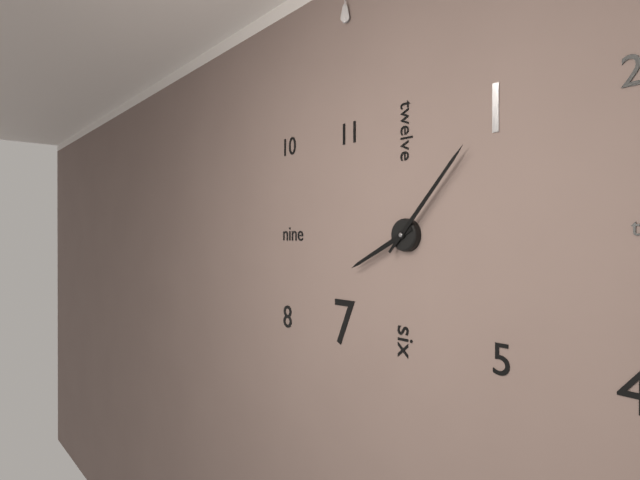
8,07
